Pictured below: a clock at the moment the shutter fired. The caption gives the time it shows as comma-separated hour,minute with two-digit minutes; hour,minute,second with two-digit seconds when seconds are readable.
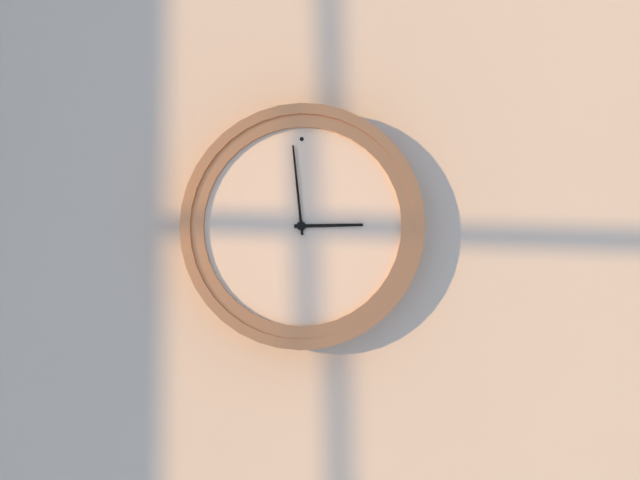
2,59
